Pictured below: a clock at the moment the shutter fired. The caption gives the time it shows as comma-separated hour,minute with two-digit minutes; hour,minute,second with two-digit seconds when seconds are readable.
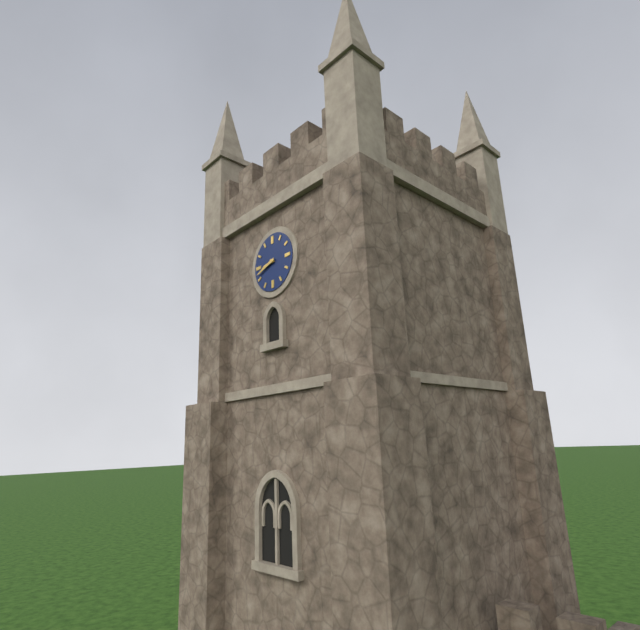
8,42
